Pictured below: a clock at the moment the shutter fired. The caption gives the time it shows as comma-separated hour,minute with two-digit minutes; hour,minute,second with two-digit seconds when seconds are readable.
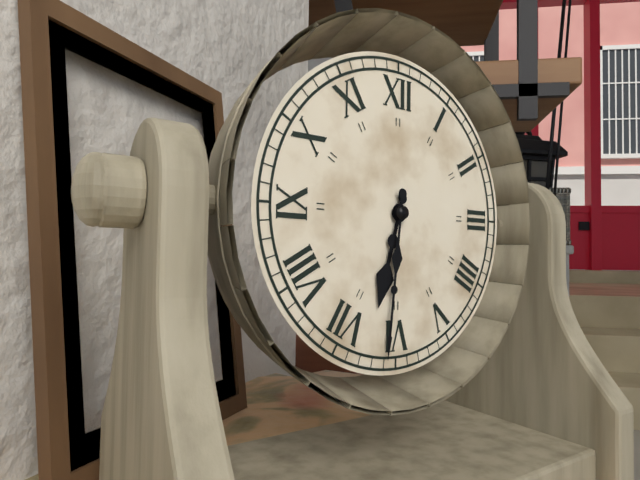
6,31
